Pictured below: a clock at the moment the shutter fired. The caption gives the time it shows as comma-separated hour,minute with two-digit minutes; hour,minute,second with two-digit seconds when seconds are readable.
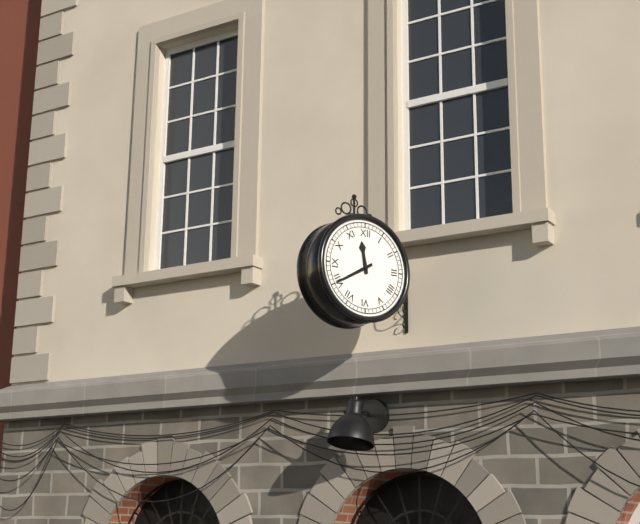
11,40
